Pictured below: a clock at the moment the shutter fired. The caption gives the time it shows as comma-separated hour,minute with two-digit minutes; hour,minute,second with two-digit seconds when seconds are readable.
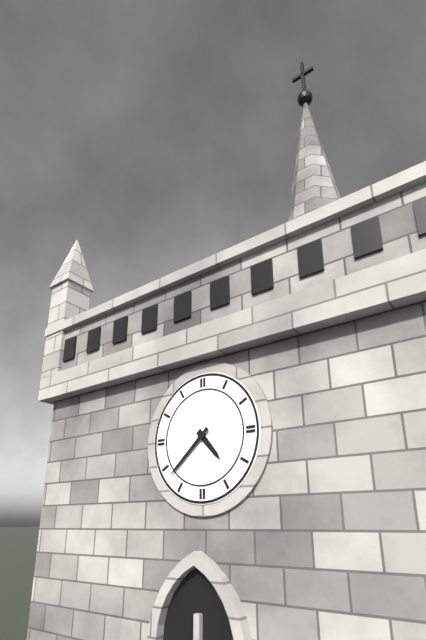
4,38
